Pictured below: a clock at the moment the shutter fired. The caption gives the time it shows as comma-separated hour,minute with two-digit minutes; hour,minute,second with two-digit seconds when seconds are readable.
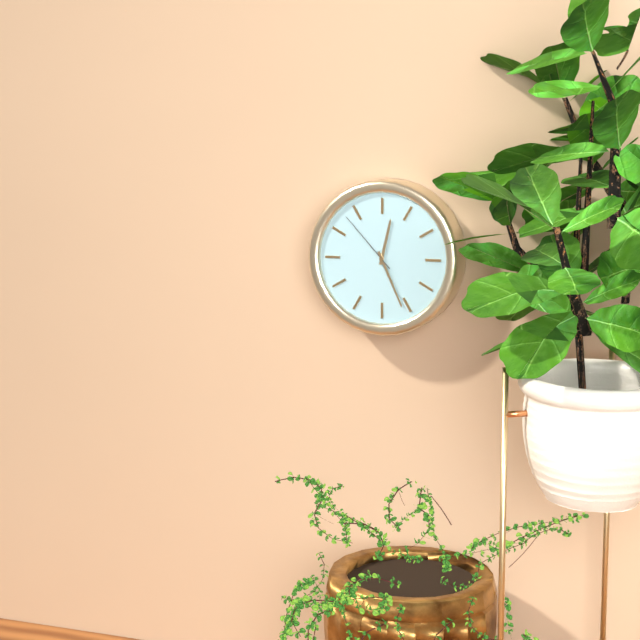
12,26,53
